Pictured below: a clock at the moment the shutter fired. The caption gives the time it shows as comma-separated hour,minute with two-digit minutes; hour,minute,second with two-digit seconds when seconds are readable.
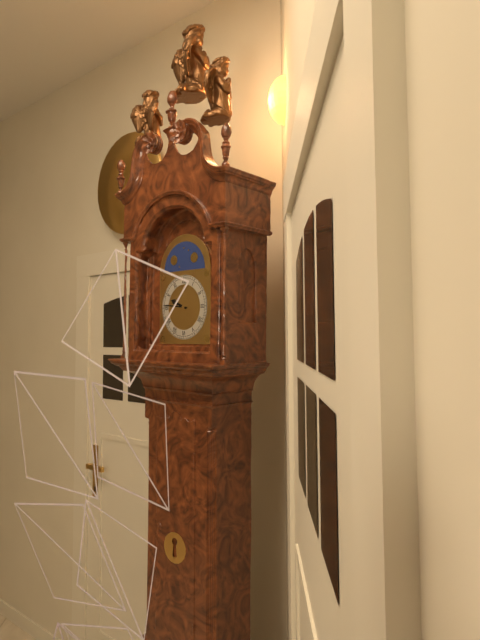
9,46
